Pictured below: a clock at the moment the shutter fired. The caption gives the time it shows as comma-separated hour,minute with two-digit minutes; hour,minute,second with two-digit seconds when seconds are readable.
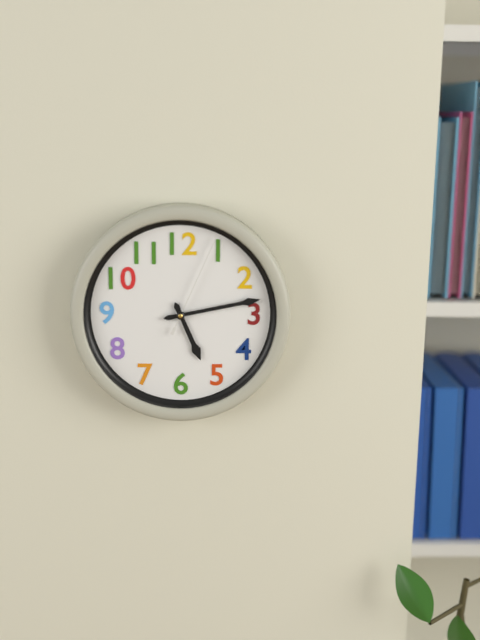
5,13,04
